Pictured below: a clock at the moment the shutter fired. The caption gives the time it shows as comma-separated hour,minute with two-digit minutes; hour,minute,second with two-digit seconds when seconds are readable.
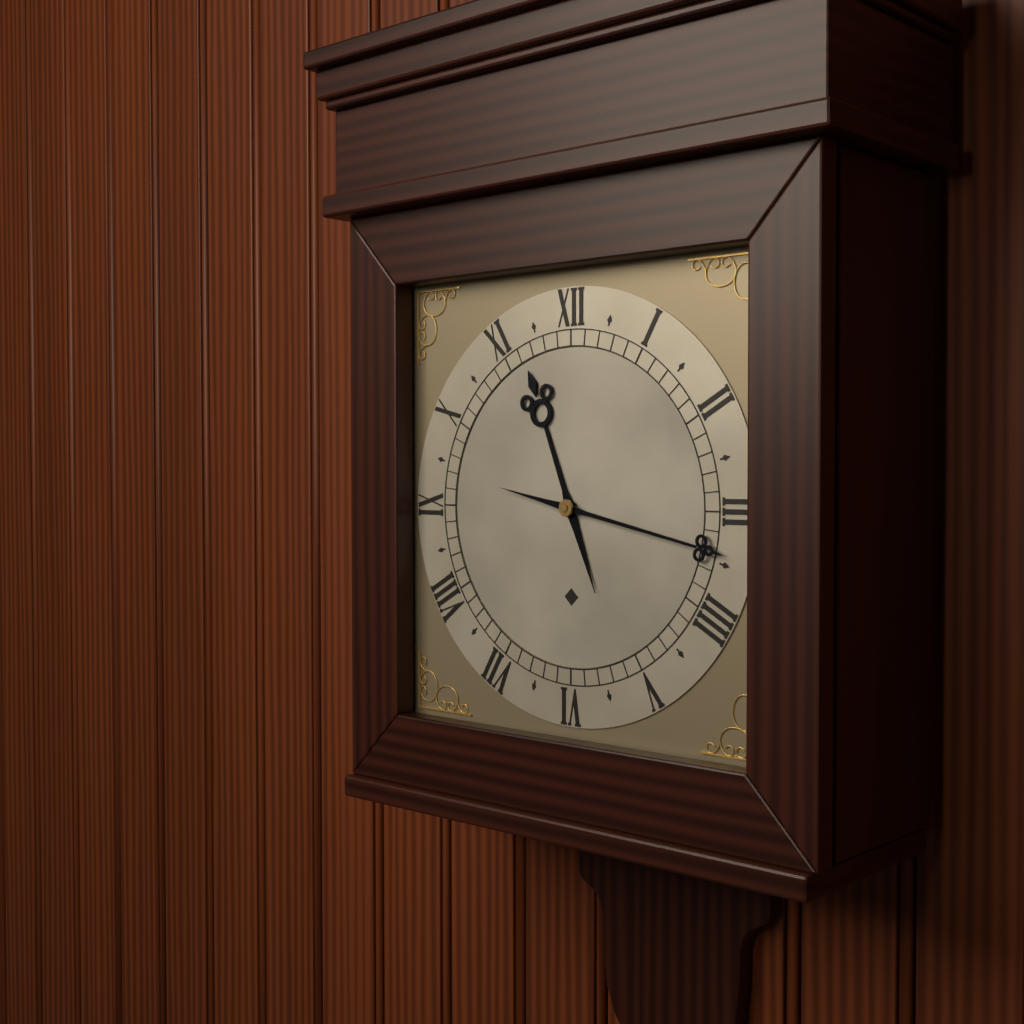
11,17
